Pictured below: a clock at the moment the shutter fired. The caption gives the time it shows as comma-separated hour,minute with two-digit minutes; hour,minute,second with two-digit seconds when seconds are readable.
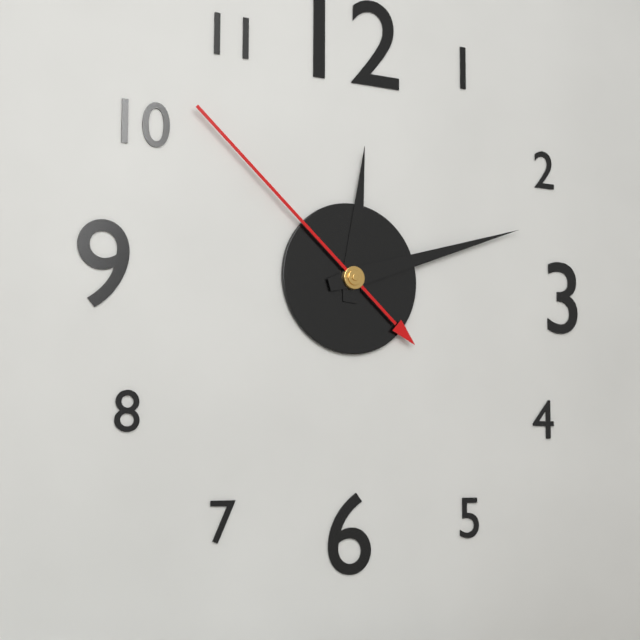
12,12,52
